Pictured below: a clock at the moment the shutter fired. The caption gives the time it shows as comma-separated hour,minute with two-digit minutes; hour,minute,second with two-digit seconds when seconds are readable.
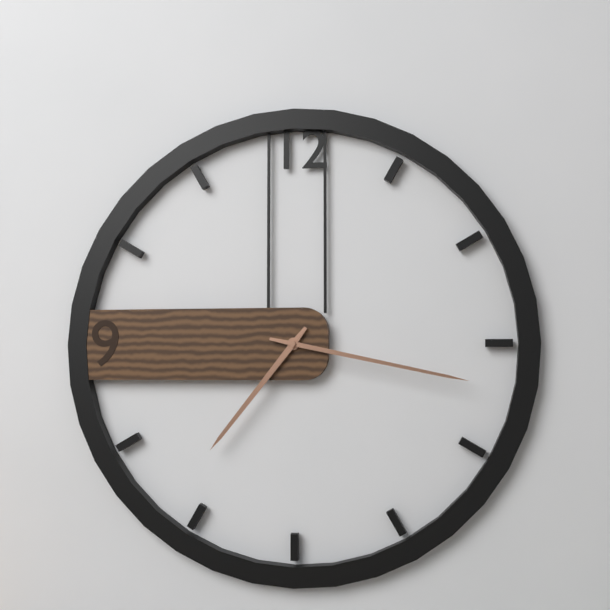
7,17
